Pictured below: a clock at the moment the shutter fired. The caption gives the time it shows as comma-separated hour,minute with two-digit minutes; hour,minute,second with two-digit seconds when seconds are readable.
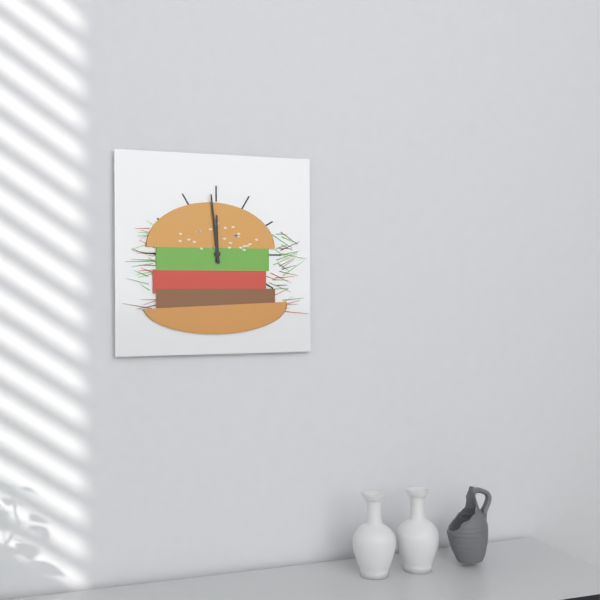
11,59
